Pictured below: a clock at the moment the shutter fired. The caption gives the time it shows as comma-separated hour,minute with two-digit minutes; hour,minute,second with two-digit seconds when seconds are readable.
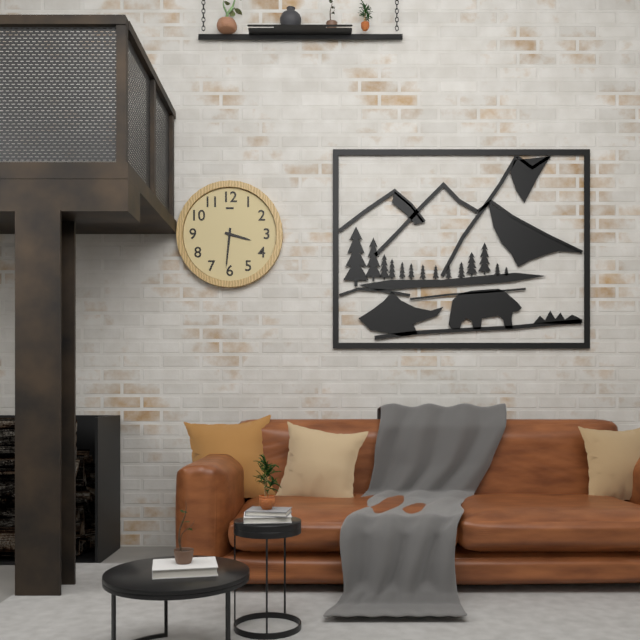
3,31
